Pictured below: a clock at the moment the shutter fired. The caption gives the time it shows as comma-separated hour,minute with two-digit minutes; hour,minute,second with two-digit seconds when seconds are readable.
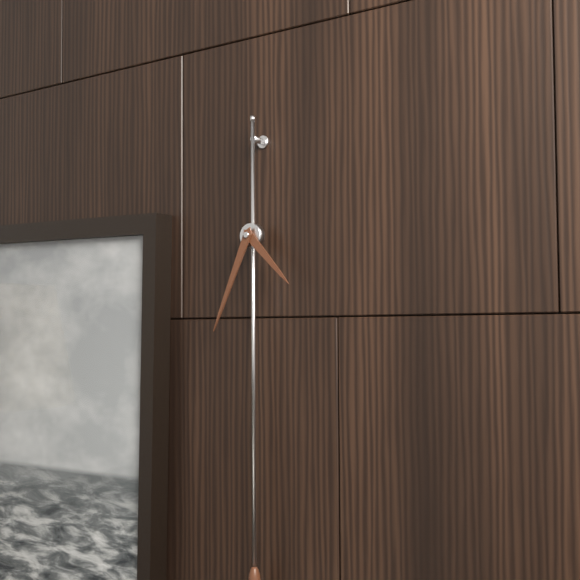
4,34
